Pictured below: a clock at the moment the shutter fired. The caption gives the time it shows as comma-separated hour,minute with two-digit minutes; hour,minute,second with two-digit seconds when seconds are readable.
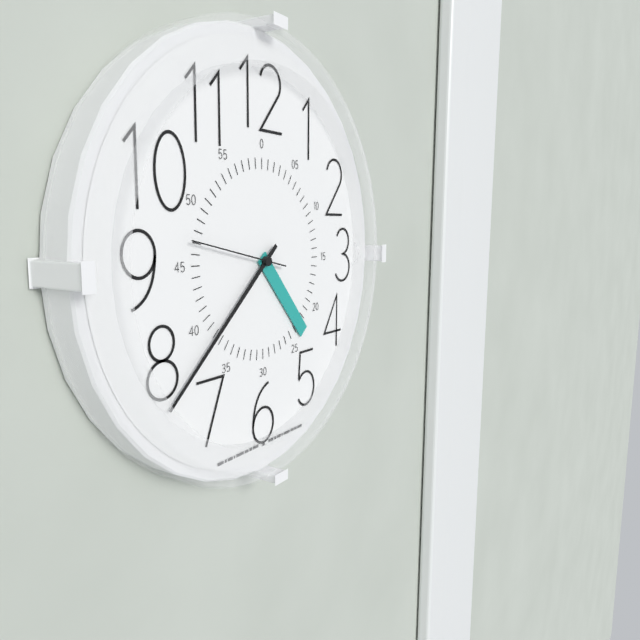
4,38,47
